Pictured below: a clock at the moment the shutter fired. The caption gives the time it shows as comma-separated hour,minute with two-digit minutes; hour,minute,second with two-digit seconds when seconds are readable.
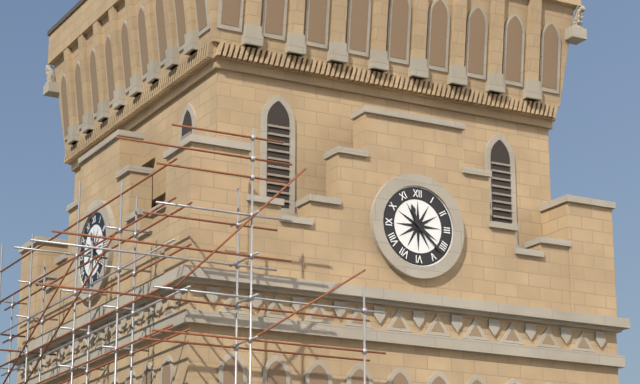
11,22
